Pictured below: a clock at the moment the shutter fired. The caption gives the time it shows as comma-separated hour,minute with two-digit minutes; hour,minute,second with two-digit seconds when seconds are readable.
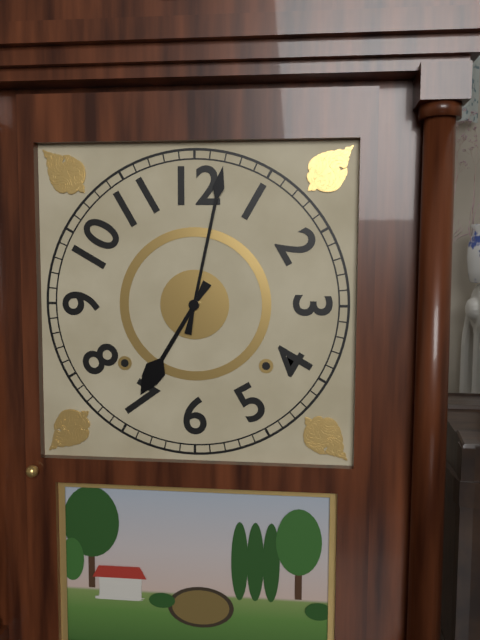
7,02
